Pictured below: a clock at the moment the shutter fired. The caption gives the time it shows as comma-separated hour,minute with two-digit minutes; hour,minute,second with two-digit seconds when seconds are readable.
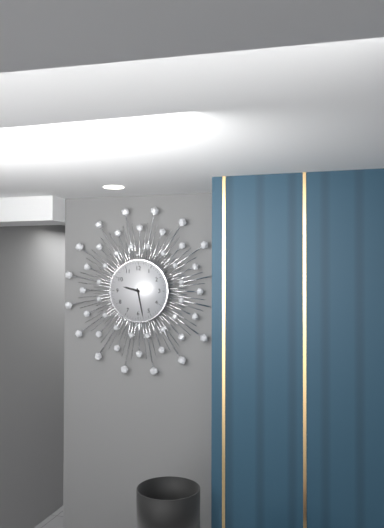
9,28
